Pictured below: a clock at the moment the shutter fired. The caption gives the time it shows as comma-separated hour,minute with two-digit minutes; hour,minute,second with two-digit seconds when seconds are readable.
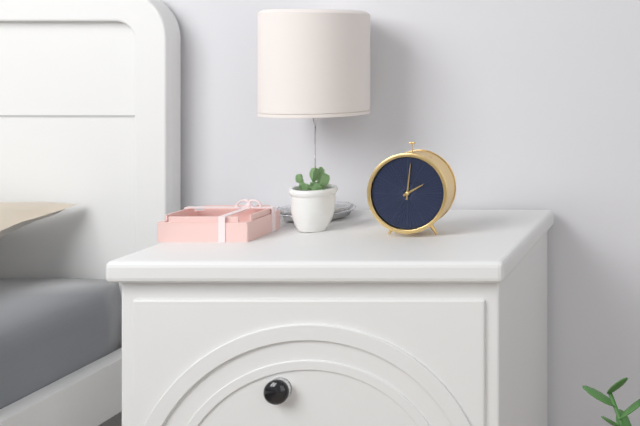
2,01
